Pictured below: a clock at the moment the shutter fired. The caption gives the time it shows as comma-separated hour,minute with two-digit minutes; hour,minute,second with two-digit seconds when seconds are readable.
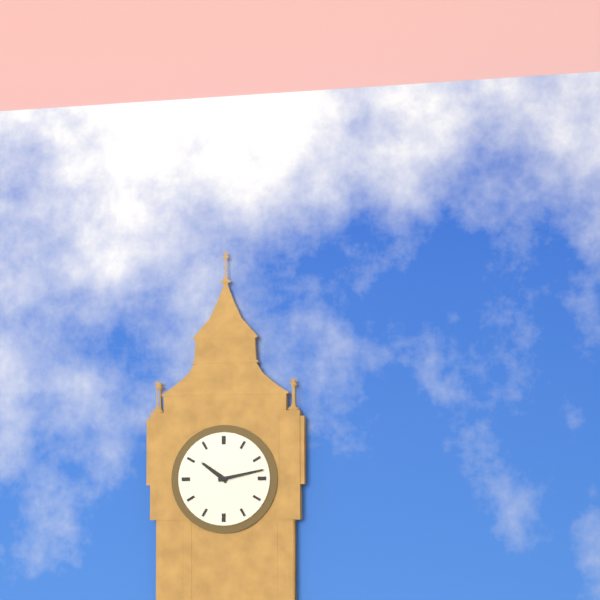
10,13
